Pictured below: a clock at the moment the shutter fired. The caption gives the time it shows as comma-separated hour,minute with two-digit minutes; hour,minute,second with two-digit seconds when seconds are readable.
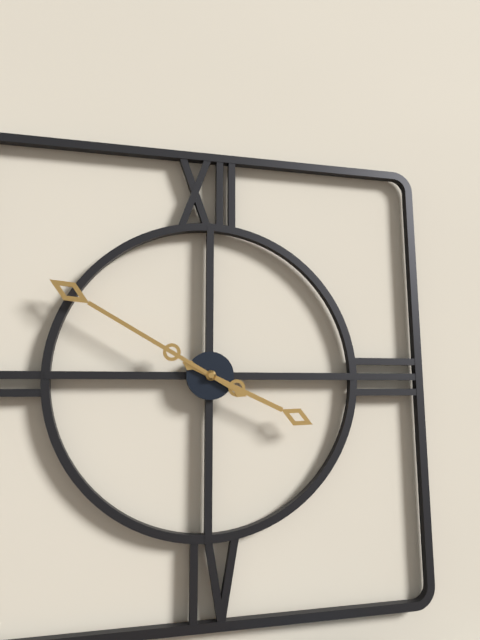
3,50
